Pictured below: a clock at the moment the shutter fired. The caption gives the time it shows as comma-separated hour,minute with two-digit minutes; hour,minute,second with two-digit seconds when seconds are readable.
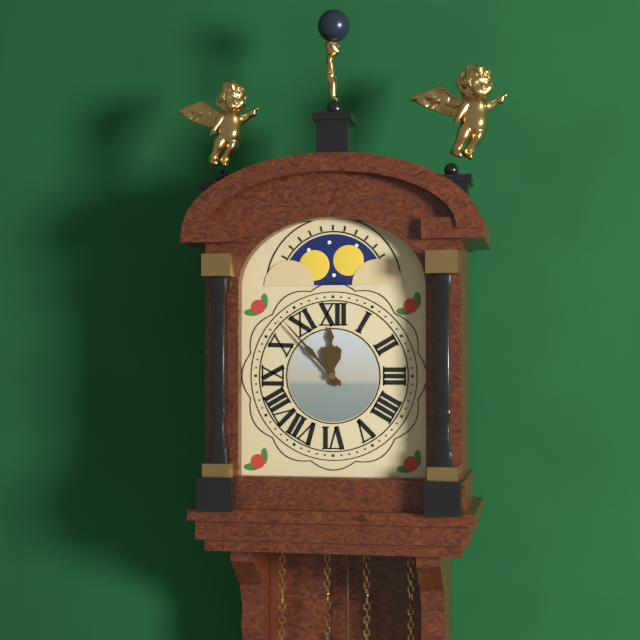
11,53
